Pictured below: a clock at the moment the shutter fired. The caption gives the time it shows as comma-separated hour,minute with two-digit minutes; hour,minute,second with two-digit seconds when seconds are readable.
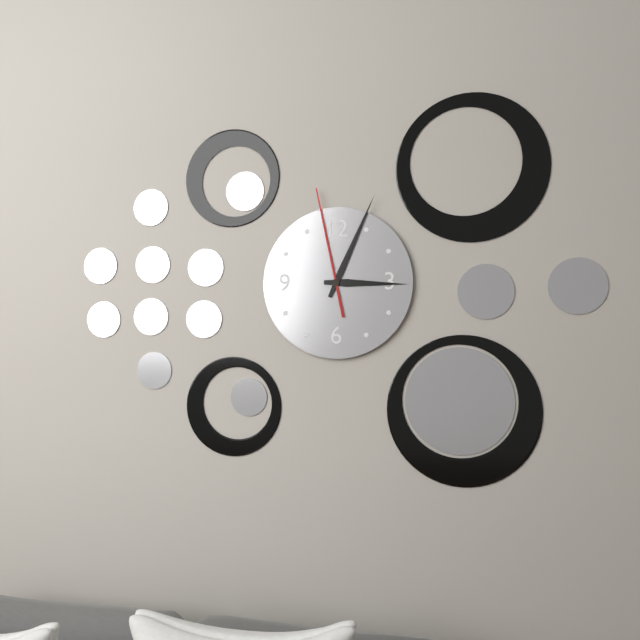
3,04,58
